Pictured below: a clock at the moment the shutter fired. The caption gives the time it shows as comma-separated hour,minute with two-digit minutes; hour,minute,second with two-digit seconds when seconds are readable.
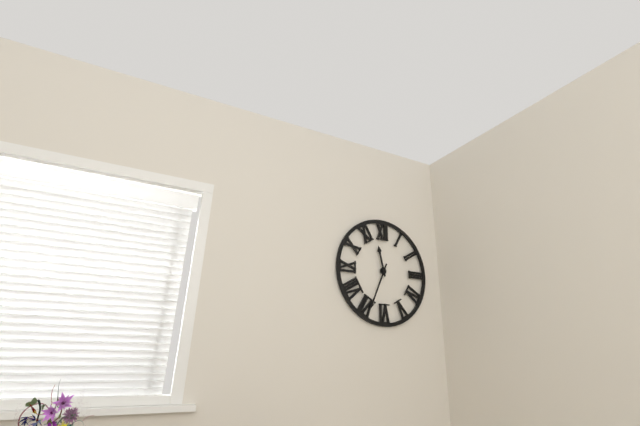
11,34
